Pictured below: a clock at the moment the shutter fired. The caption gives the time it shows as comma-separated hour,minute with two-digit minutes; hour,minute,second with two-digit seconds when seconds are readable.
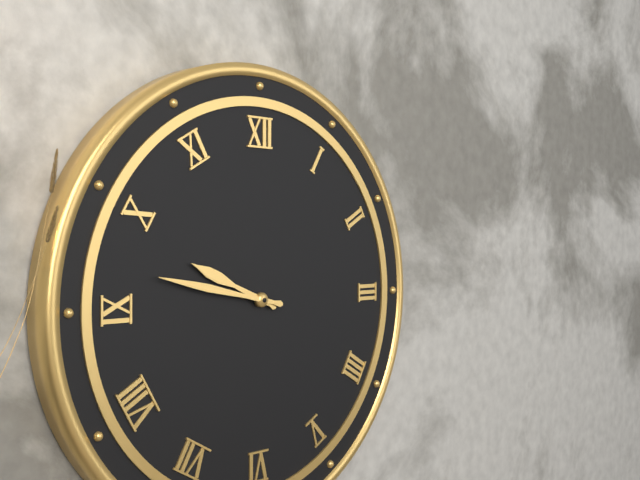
9,47
